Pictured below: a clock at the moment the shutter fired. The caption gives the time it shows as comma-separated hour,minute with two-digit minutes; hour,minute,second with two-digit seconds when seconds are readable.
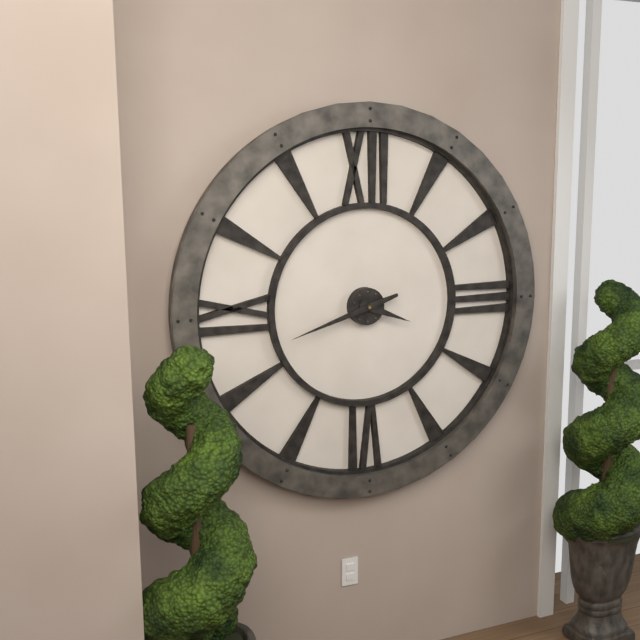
3,42
